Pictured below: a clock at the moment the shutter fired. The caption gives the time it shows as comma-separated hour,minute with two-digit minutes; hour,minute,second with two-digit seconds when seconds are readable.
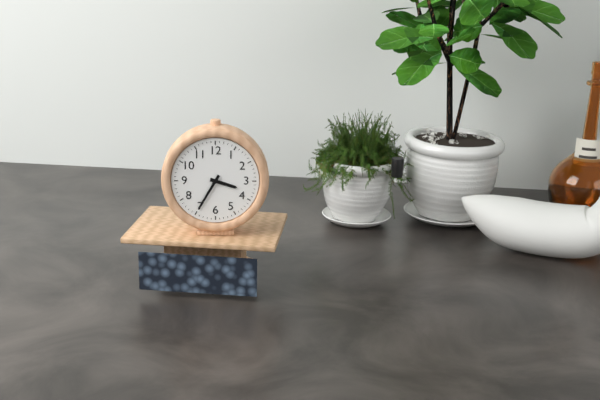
3,35
